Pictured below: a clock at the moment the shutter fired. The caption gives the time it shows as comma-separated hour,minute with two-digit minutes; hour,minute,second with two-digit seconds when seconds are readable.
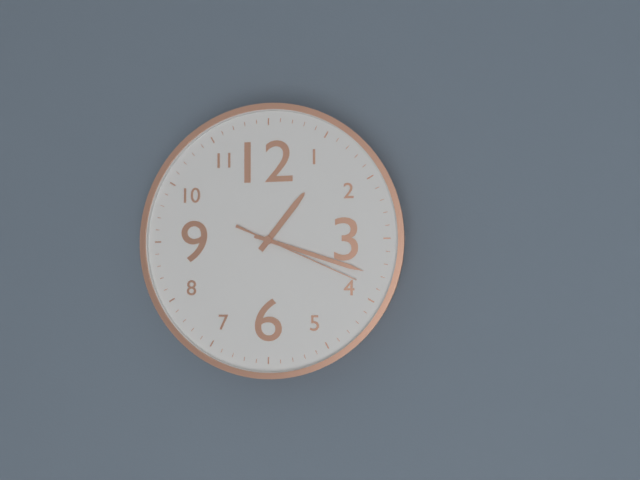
1,18,19
